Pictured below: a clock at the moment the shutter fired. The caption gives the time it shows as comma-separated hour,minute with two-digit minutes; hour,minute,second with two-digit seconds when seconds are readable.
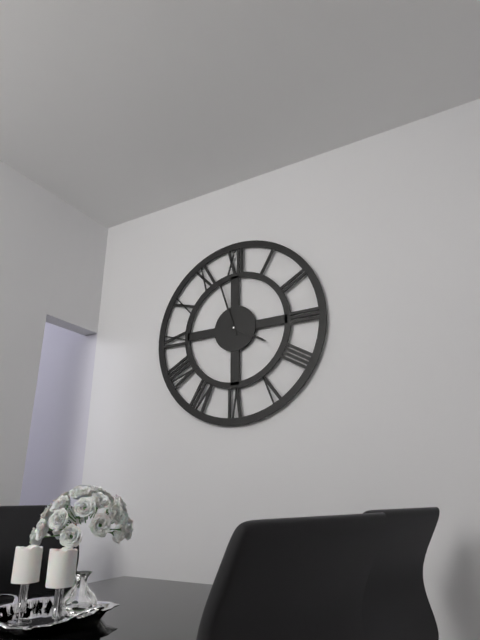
3,57
